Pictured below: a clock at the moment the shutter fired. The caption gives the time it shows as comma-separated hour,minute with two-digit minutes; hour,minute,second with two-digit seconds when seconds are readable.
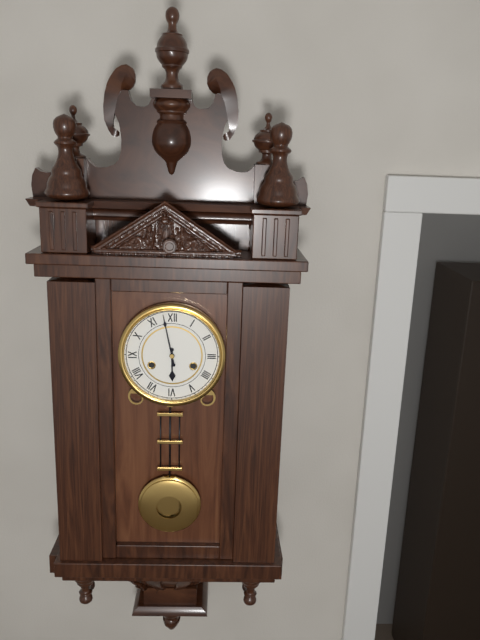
5,58
